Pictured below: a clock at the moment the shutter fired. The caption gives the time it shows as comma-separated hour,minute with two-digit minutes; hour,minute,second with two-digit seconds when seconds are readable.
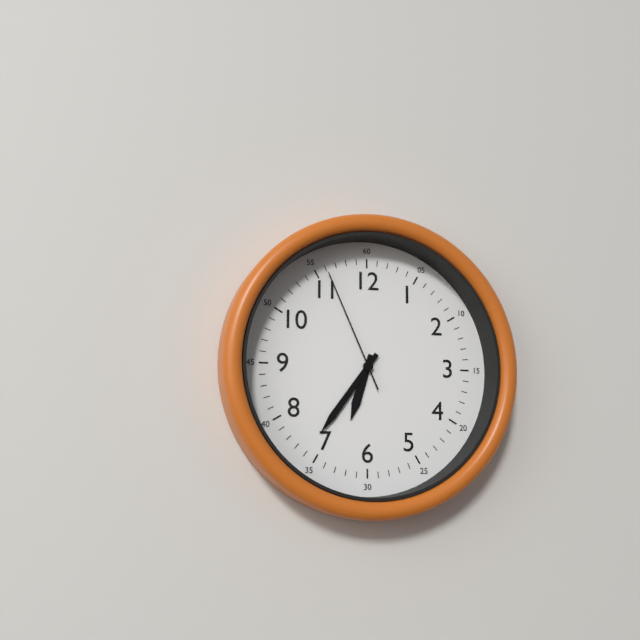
6,36,56
